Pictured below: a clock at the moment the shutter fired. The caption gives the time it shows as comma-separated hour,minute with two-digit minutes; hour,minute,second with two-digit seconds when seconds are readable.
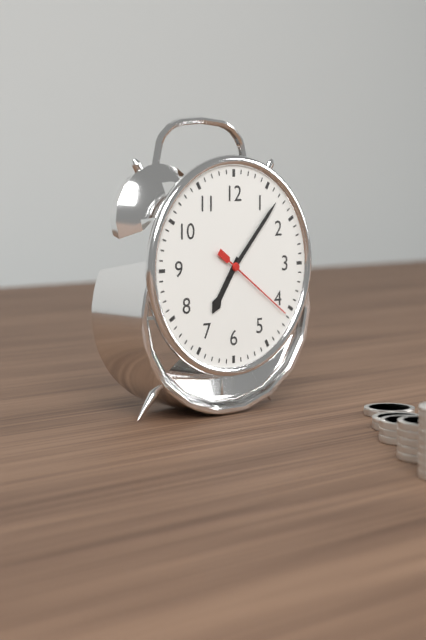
7,07,21
